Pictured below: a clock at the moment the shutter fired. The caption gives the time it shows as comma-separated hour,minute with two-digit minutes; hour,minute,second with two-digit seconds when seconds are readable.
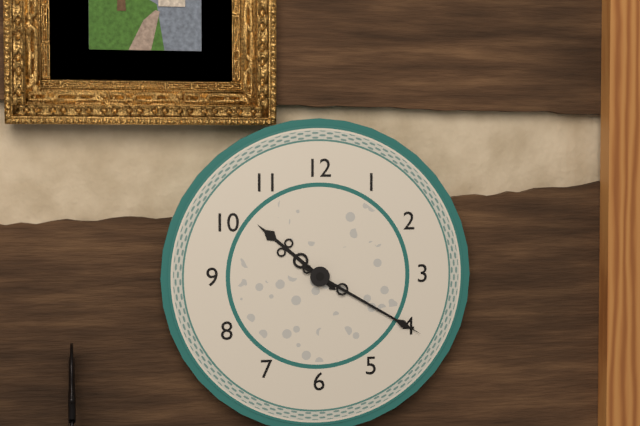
10,20
